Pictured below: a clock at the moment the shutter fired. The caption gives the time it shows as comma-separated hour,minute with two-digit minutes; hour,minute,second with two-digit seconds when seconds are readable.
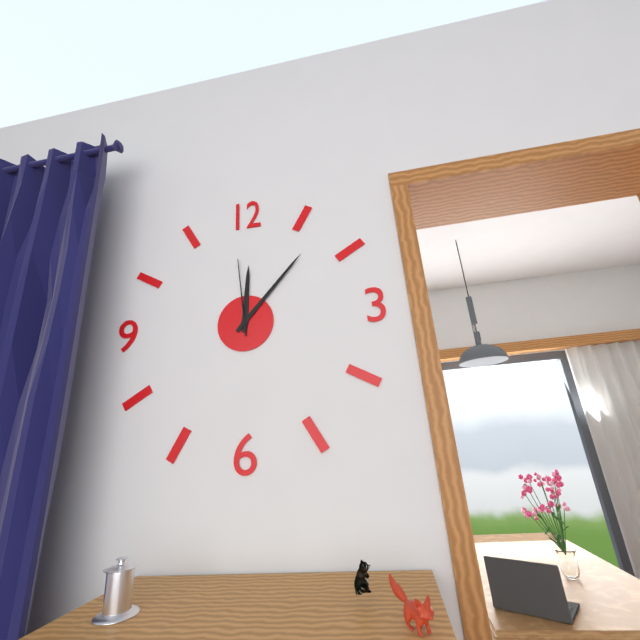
12,07,59
